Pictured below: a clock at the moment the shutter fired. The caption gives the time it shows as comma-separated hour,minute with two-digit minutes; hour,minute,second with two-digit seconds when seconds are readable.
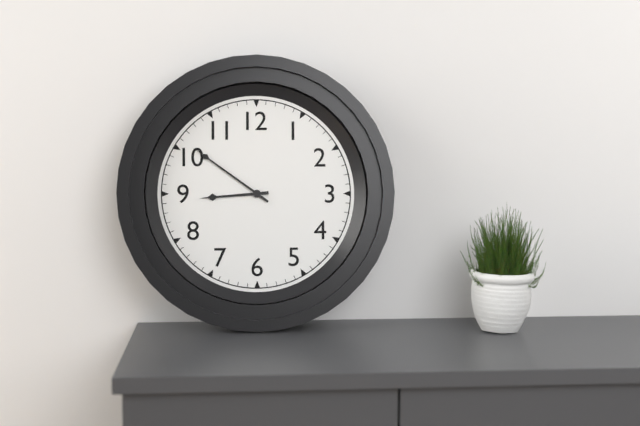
8,51
